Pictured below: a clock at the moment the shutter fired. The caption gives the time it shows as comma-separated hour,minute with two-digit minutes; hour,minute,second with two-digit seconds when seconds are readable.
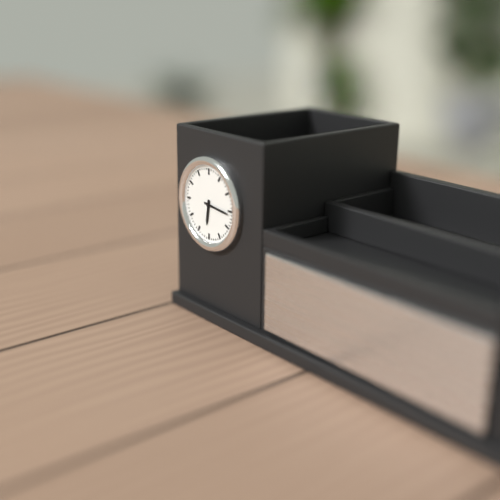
6,16
